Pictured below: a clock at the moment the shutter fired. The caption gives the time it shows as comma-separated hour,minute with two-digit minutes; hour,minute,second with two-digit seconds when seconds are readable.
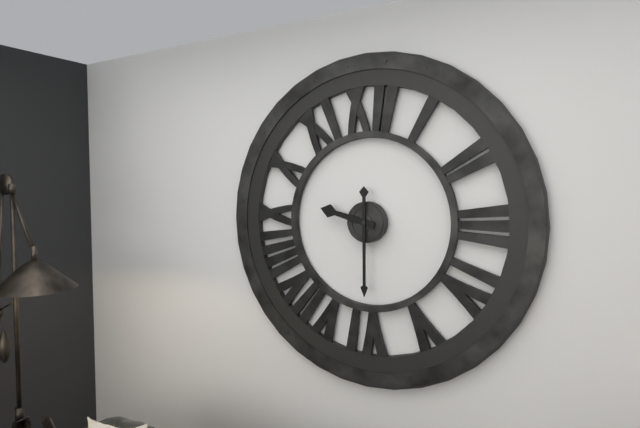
9,30
